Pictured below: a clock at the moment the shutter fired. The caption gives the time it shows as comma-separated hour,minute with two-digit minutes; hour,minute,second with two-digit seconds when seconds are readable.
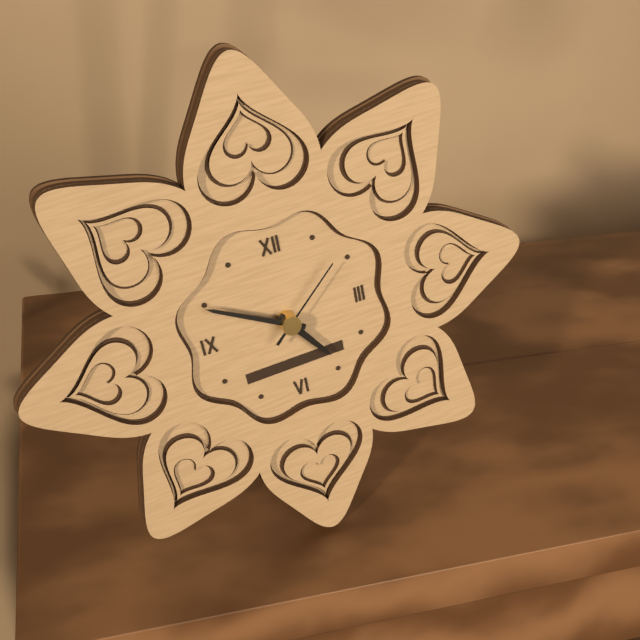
4,50,08
